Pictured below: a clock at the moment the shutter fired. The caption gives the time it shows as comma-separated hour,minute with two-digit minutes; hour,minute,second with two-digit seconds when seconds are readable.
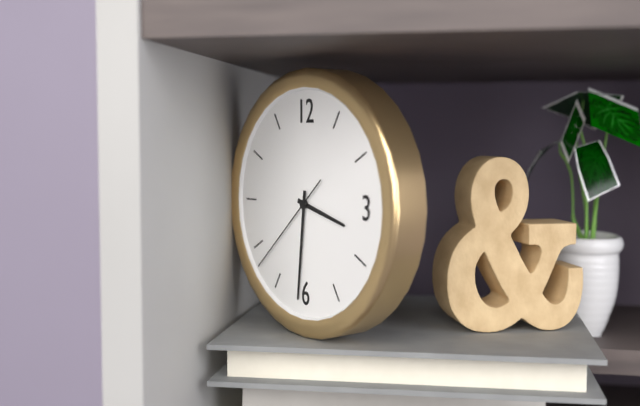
3,31,38
